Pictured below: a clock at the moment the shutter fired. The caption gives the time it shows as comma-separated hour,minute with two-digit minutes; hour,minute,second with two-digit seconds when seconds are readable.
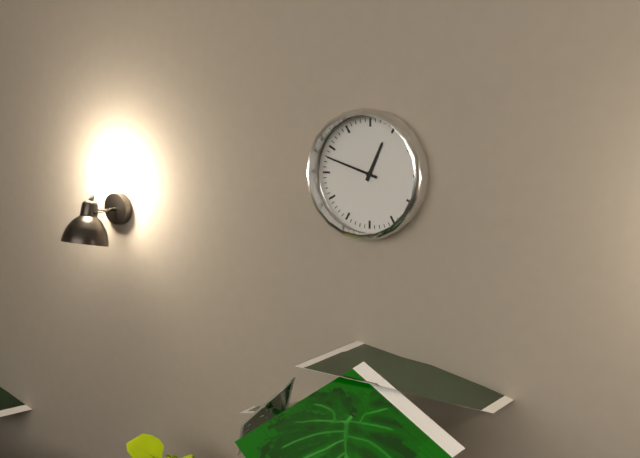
12,48
